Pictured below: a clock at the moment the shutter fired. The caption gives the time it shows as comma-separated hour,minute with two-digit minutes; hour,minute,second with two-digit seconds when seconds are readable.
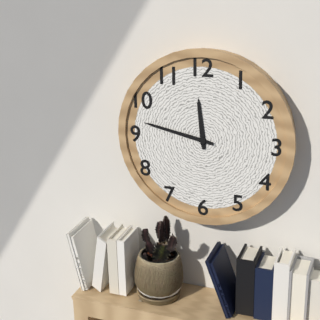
11,47
